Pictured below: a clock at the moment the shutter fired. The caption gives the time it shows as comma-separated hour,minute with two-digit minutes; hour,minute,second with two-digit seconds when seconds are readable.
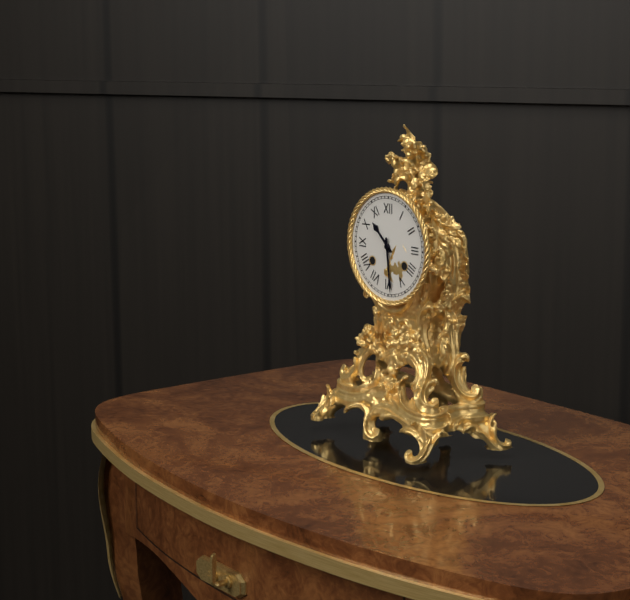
10,29
